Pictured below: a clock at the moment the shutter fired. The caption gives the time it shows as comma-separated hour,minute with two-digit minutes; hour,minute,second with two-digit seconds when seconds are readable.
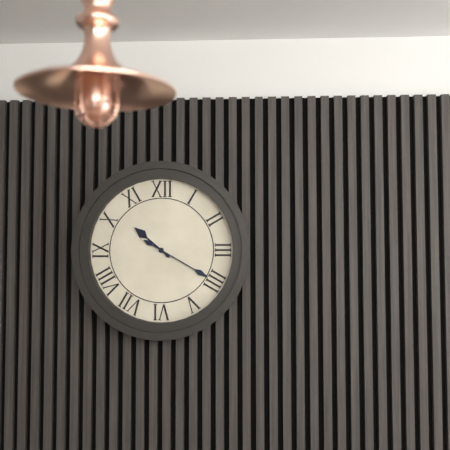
10,20
